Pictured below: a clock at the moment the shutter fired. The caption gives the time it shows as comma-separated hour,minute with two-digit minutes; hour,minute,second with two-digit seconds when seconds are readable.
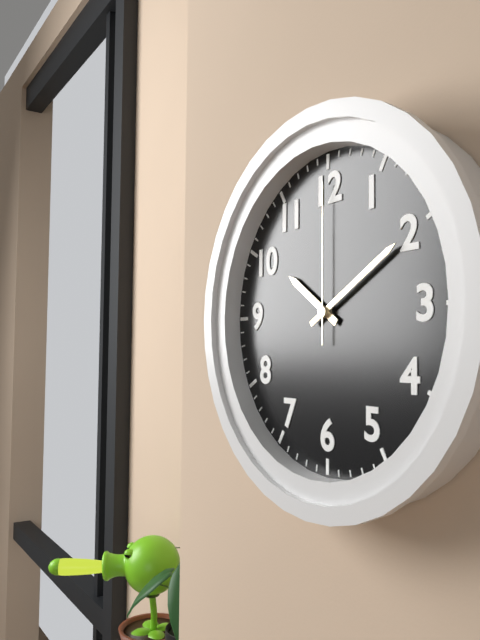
10,10,00
